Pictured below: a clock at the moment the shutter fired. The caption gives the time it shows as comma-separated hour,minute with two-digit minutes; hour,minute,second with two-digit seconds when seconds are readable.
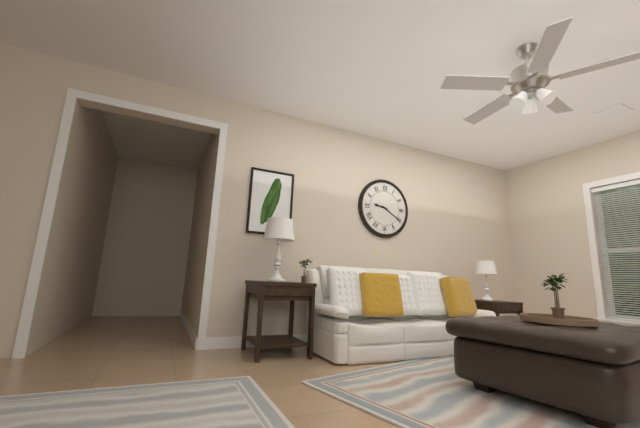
9,20
